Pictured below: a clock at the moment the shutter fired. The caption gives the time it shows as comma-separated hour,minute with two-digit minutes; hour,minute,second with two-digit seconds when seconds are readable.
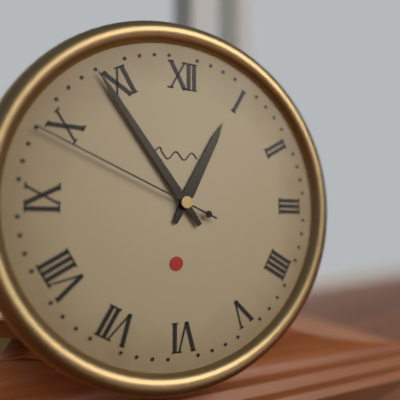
12,54,49
